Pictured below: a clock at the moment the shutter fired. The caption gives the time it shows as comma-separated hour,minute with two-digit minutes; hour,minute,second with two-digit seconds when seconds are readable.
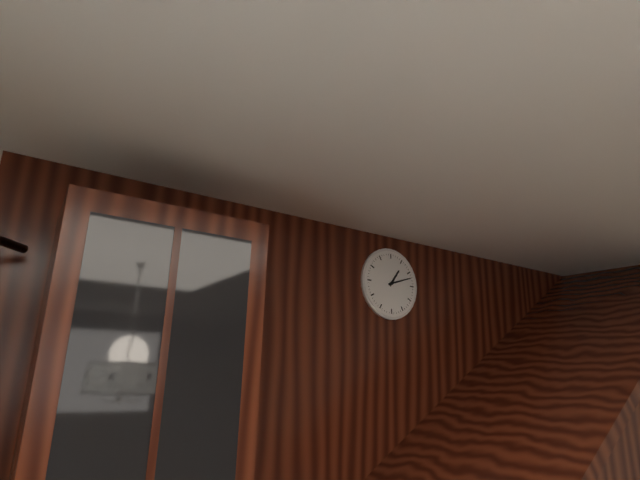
1,12
